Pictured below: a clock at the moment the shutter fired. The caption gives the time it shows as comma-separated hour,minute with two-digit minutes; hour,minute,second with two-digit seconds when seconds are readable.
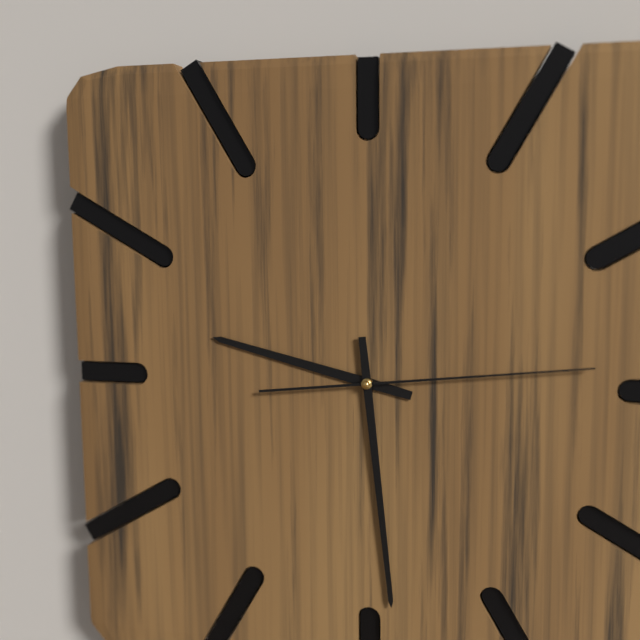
9,29,14
